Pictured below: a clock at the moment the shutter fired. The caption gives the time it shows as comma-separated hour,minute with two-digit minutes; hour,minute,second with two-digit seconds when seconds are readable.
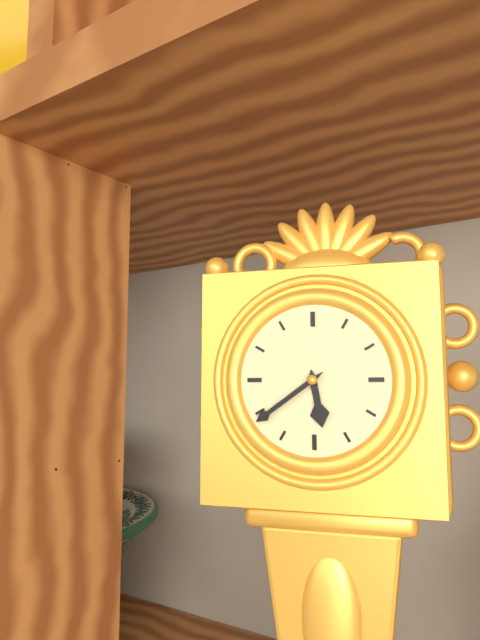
5,39
